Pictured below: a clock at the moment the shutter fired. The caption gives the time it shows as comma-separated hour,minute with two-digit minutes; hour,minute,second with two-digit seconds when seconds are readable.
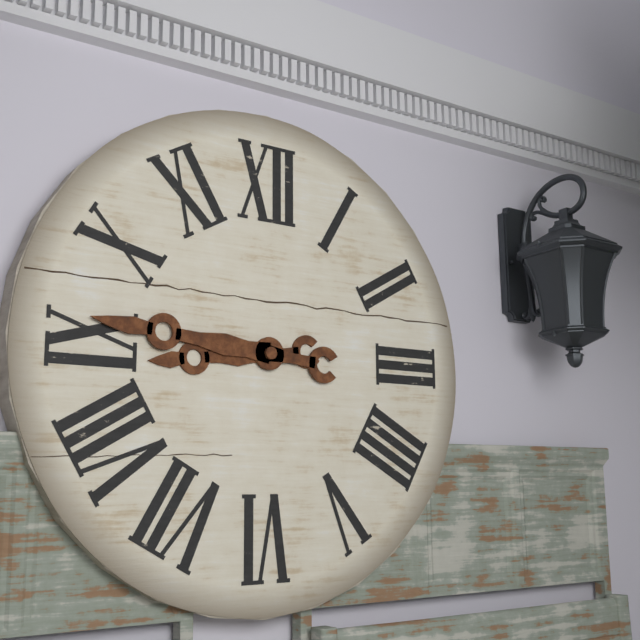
8,46
